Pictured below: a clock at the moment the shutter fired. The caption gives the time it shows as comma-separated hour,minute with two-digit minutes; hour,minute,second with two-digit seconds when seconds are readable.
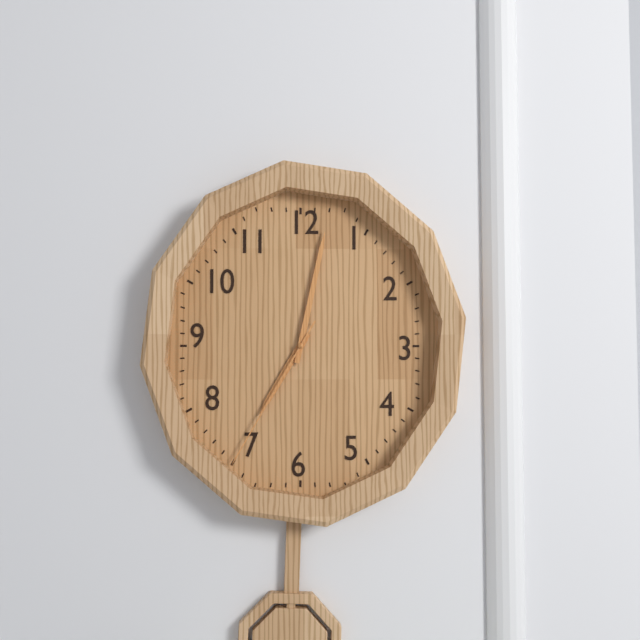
7,02,35
